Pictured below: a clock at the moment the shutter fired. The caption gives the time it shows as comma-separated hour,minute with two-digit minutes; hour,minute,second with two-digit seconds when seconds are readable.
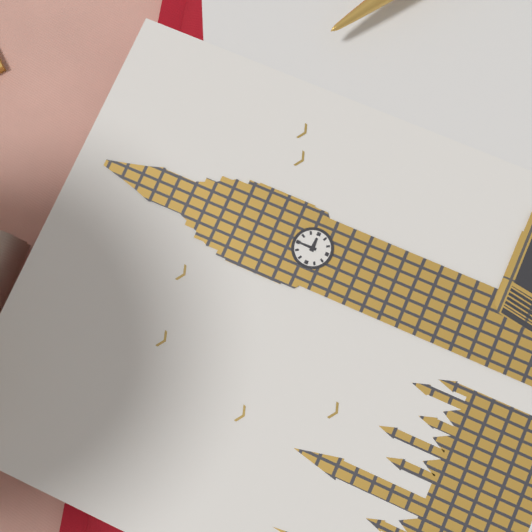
3,00
